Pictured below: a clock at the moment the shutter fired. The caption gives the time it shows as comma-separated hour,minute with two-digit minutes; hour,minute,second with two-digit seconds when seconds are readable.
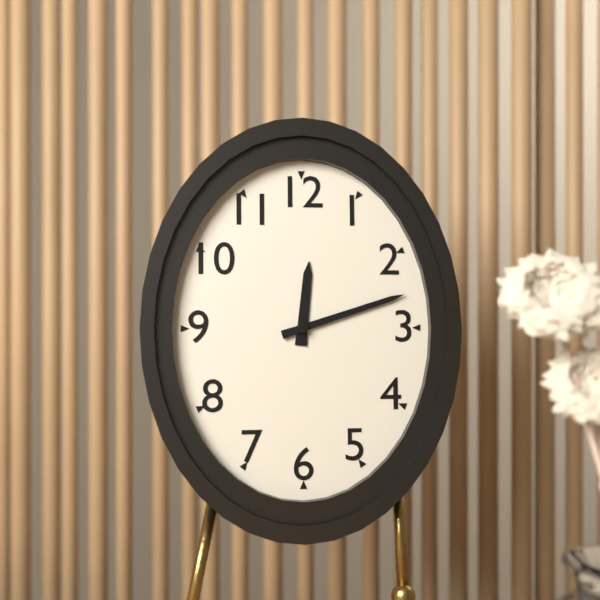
12,12
